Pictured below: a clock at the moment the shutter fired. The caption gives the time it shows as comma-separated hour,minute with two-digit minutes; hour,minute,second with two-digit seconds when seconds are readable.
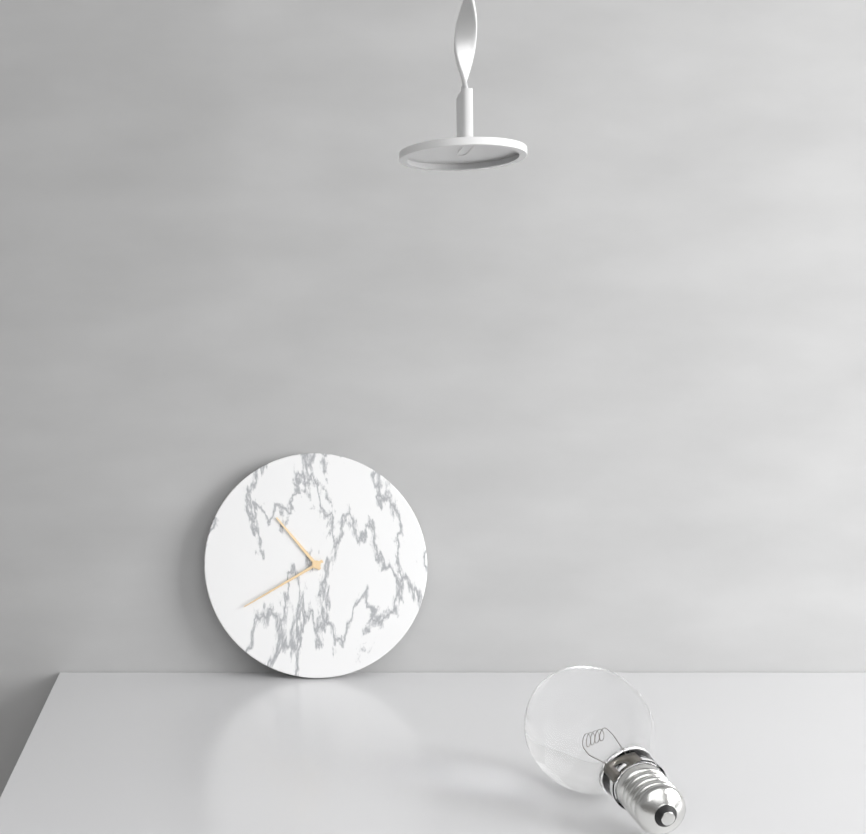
10,40
